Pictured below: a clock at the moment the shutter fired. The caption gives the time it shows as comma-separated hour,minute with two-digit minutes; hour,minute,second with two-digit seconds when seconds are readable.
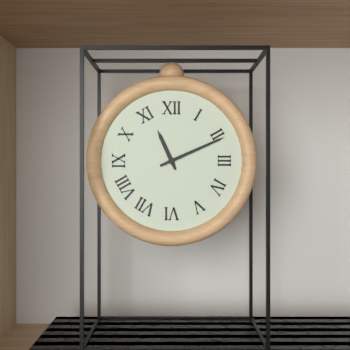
11,11
